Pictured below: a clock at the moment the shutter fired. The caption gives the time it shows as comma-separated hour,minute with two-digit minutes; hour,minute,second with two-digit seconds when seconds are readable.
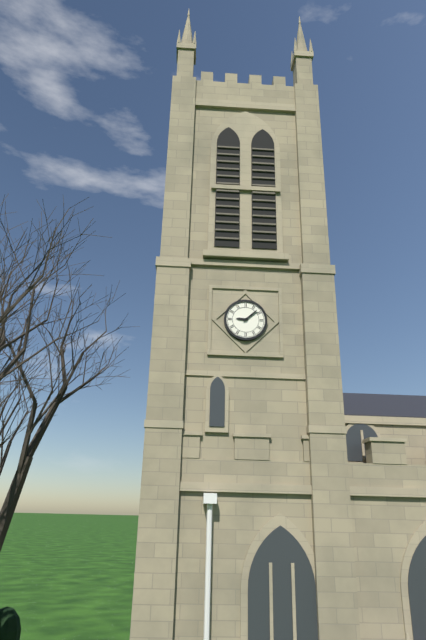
9,08
